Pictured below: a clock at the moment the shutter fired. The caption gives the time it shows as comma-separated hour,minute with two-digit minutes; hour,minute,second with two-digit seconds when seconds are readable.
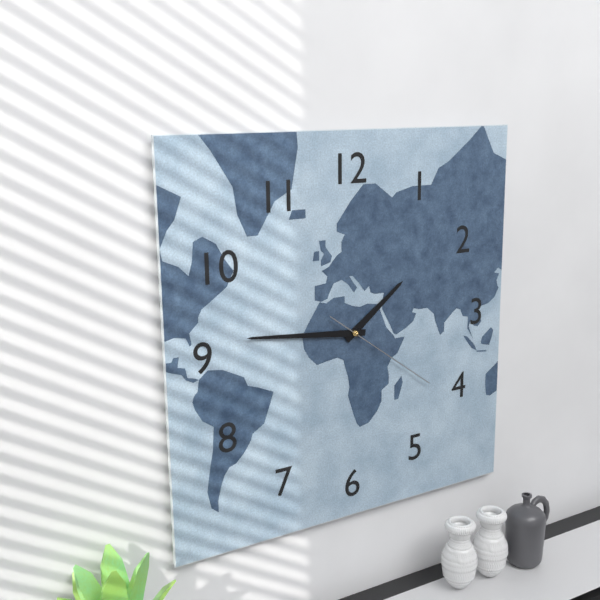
1,46,21
